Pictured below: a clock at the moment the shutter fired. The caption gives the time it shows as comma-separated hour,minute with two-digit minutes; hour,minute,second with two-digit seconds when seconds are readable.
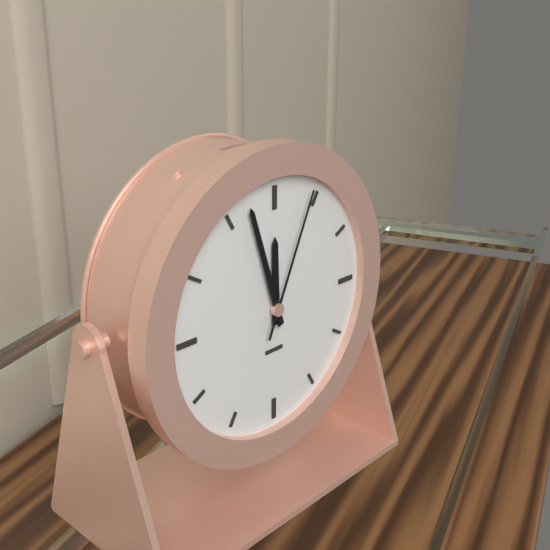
11,57,04
